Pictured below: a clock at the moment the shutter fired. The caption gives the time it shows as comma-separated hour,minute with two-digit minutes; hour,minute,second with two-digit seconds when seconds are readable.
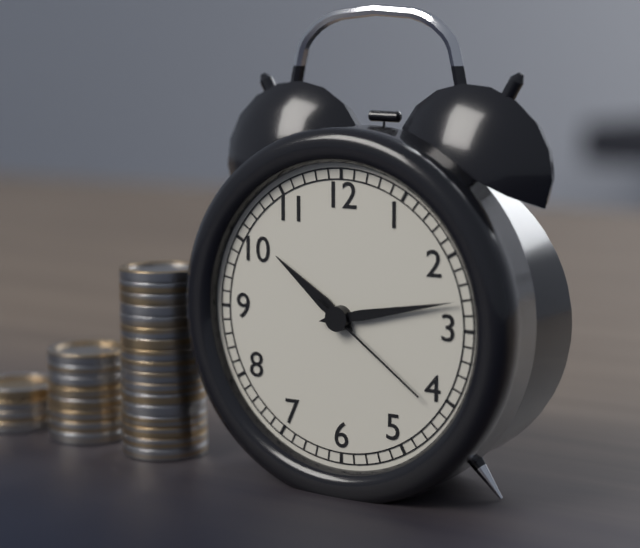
10,13,21
